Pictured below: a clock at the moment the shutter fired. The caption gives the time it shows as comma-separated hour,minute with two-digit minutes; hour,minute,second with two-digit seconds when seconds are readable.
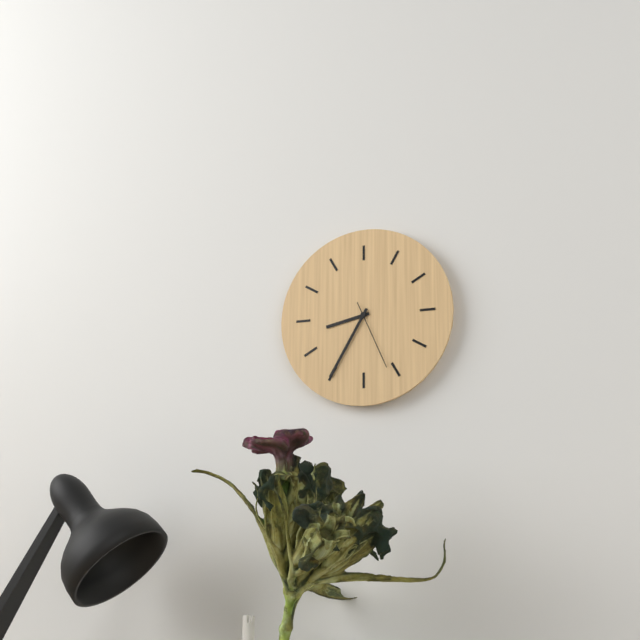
8,35,26
